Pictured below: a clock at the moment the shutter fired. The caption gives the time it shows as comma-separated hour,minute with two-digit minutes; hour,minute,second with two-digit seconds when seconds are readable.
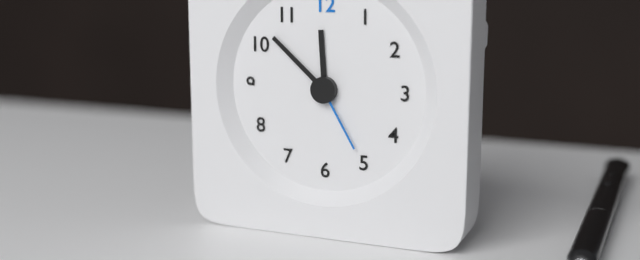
11,52,25
